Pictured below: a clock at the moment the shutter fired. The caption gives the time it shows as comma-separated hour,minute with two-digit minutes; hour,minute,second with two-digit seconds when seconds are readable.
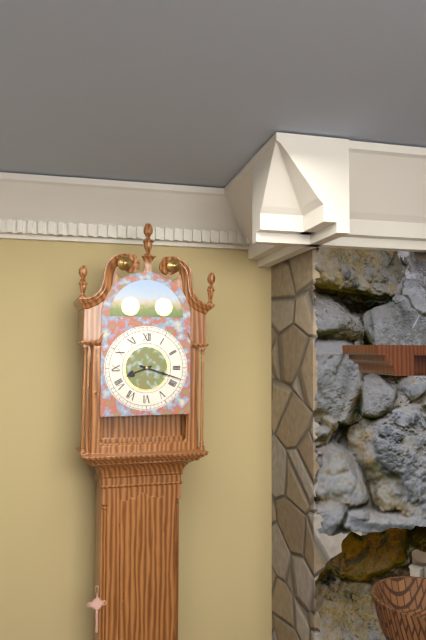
8,18
